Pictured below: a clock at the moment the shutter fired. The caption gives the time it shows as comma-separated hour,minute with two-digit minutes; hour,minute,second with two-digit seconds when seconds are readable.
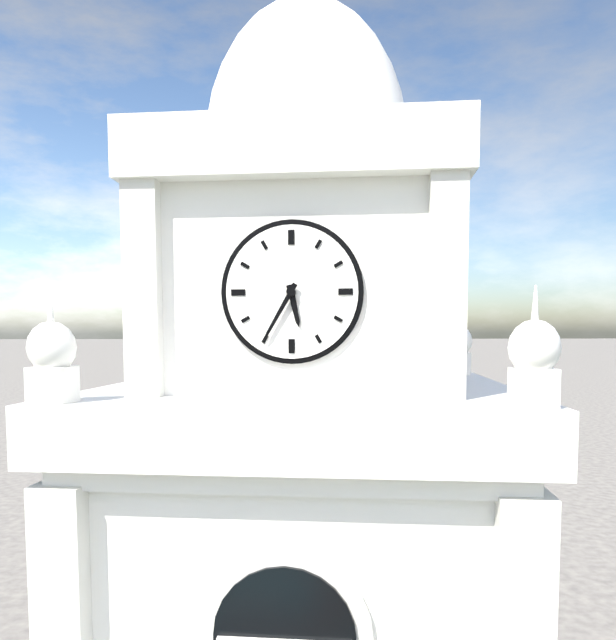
5,35
